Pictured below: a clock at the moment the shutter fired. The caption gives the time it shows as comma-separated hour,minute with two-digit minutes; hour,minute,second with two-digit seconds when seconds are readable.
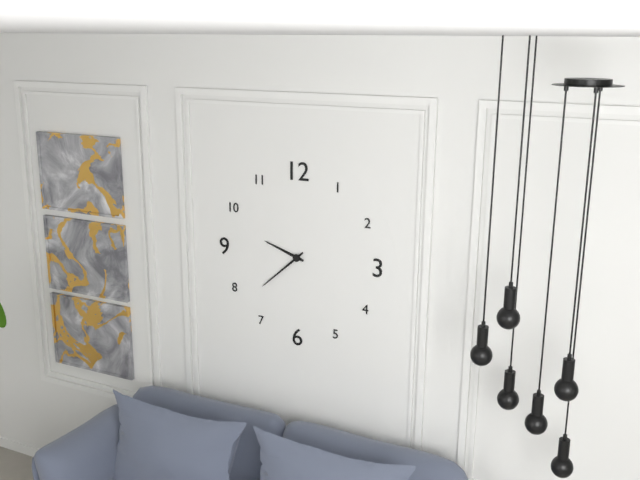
9,38
